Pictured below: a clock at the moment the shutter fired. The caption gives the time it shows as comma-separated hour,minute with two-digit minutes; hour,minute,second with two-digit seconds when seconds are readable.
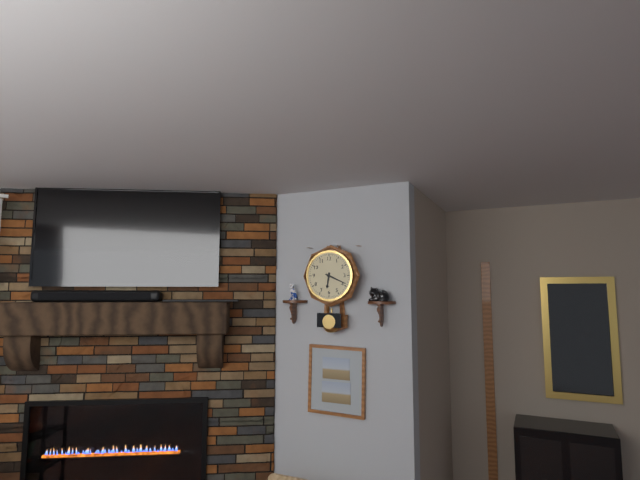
6,19
